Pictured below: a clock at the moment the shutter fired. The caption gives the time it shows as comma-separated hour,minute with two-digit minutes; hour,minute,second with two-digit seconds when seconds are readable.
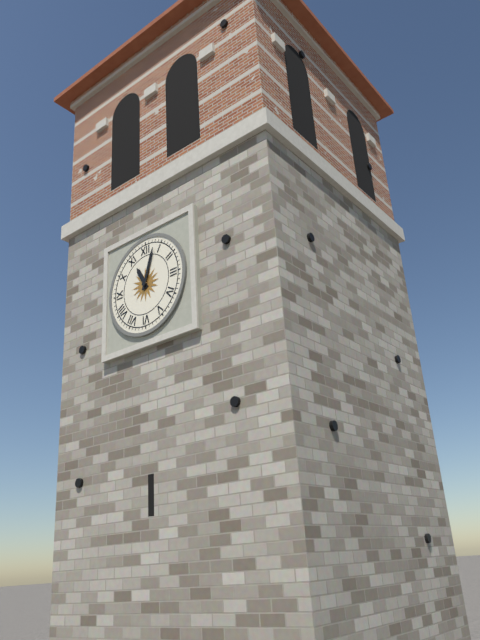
11,03
